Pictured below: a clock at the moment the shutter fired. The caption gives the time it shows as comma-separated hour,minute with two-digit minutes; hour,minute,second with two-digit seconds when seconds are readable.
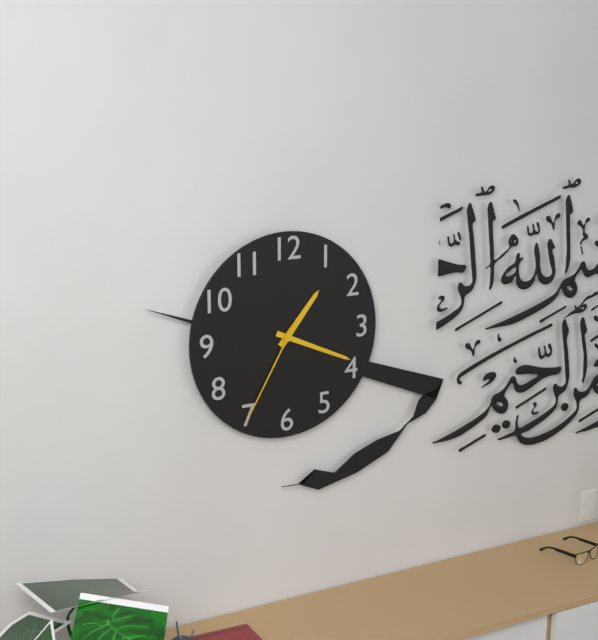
1,19,35
